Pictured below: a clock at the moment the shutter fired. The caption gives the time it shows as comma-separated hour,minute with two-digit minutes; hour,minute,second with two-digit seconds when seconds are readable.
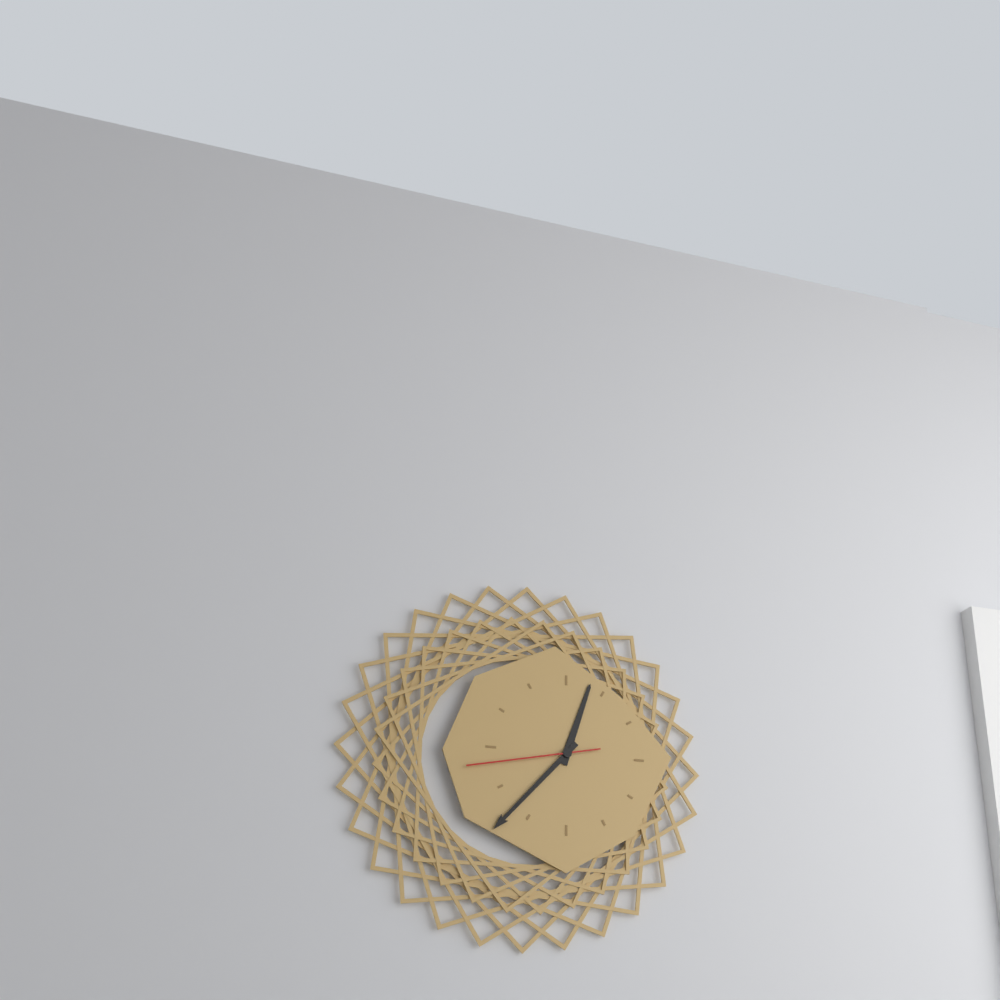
12,37,43
